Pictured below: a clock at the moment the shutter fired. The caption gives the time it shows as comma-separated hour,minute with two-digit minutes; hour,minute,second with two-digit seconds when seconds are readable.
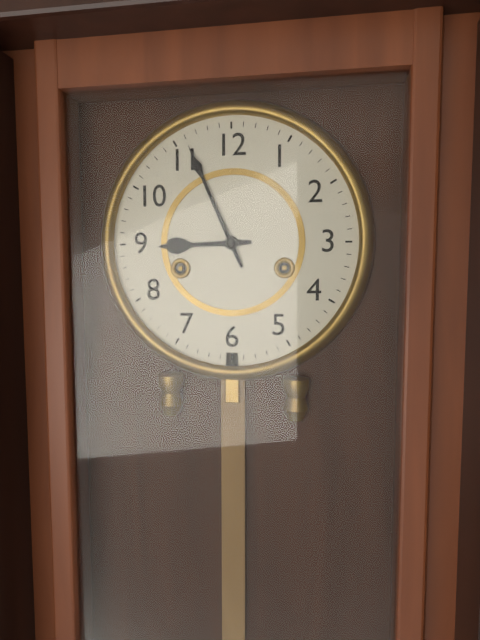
8,56
